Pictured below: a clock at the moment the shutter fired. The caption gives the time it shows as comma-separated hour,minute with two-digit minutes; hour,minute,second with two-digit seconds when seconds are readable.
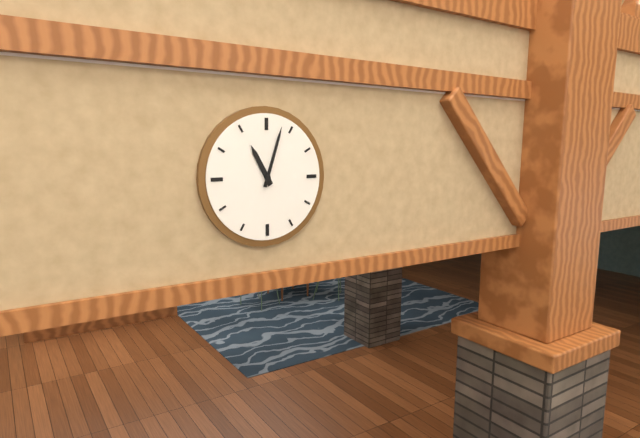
11,03
